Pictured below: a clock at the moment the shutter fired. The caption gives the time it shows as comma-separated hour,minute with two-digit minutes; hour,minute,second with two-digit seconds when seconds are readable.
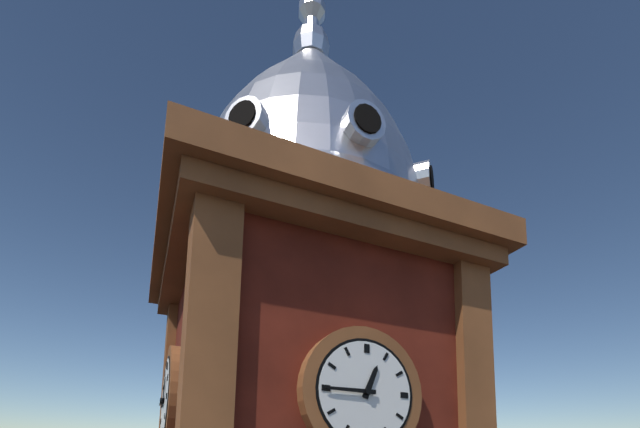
12,45
